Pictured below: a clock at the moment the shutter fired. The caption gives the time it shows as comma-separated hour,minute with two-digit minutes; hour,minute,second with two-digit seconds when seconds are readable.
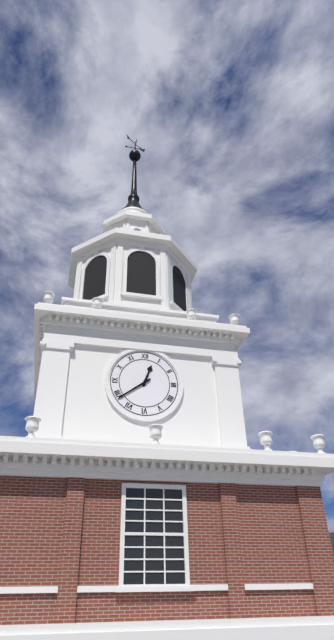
12,39
